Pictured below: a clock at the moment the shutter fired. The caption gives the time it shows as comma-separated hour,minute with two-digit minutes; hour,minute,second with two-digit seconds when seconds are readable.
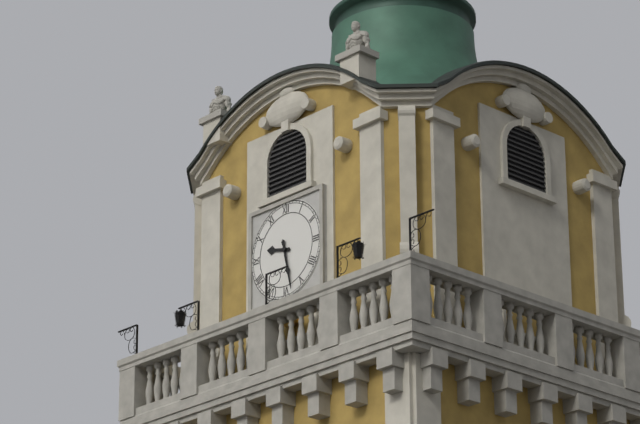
9,28
